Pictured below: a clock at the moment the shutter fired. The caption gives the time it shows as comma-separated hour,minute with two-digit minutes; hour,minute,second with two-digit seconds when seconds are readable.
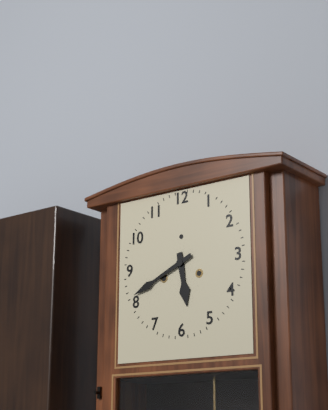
5,41
